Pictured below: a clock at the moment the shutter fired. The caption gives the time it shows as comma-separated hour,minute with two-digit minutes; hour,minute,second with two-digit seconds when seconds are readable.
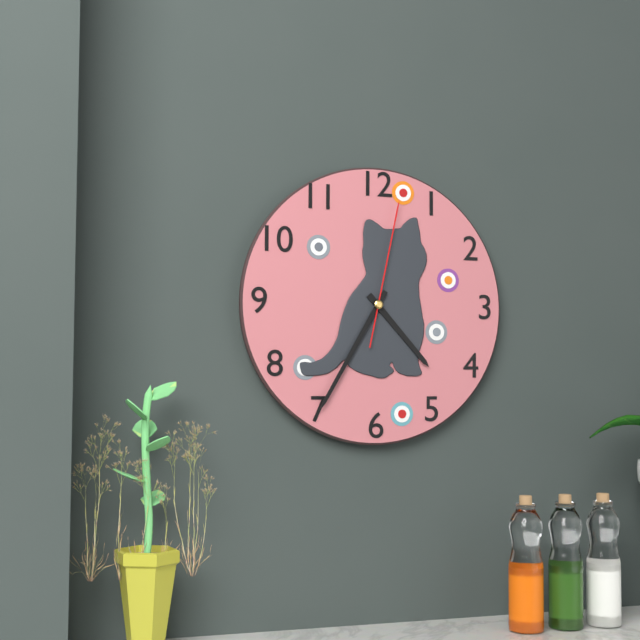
4,35,02
